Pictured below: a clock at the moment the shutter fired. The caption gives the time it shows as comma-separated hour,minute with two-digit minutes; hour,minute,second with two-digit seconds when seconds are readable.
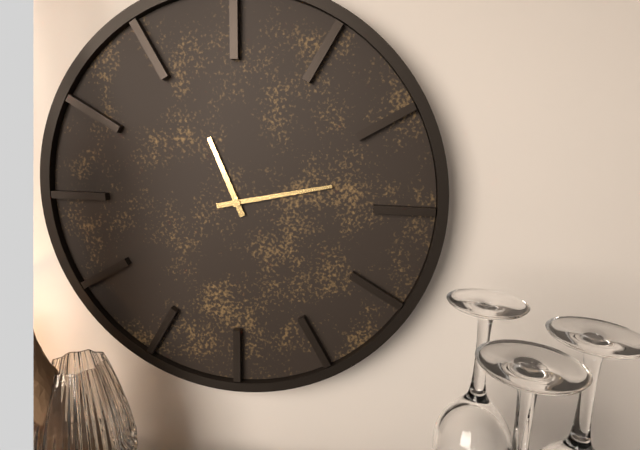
11,13
